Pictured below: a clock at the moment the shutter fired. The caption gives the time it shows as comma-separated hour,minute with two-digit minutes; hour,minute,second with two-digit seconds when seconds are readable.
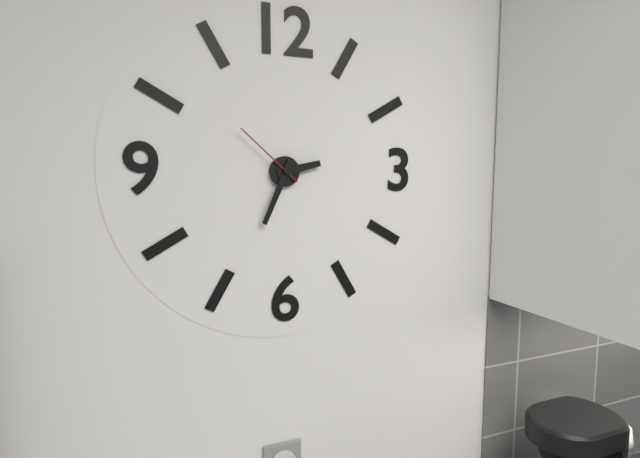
2,34,52
